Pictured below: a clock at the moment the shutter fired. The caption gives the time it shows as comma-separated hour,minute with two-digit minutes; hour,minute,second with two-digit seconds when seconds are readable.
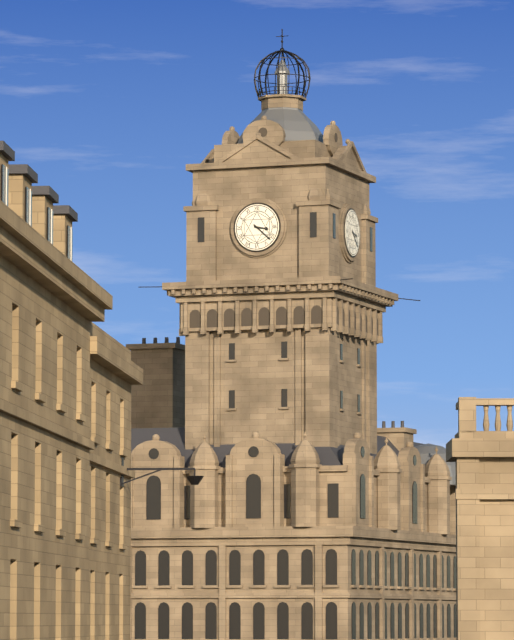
3,22
